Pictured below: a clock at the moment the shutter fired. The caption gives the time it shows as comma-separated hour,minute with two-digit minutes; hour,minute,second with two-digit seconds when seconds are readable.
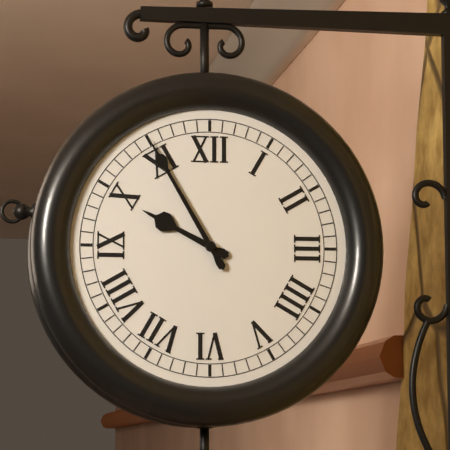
9,55
